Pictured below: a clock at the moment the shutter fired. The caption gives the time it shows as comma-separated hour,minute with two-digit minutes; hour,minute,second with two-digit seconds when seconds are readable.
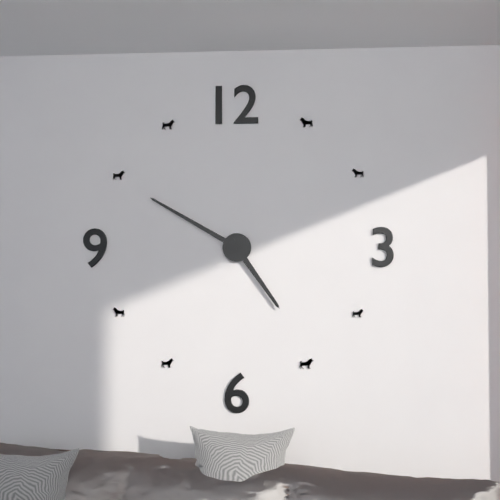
4,50
